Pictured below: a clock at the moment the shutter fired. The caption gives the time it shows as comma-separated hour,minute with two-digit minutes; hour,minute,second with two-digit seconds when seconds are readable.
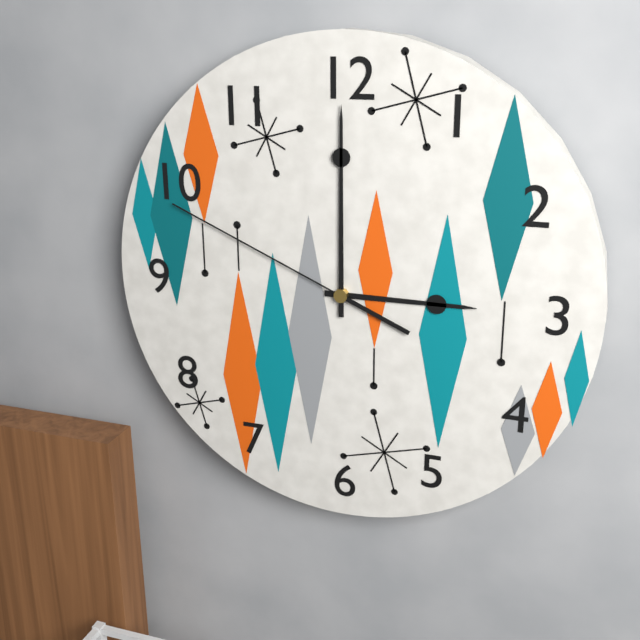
3,00,49
